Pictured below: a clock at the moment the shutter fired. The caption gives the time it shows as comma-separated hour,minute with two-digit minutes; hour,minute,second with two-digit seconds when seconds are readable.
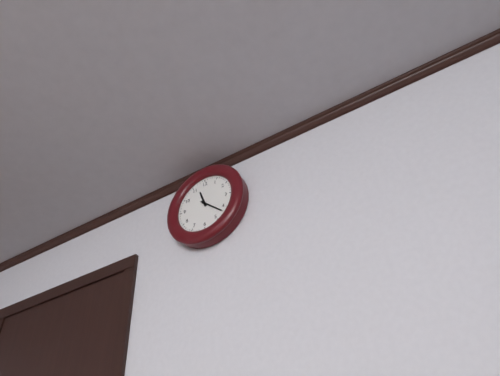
11,22
